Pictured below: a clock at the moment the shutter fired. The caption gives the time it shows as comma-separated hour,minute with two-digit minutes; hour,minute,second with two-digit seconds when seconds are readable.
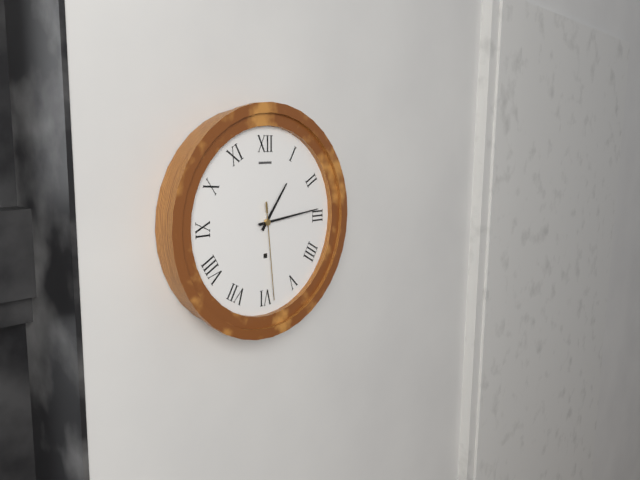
1,14,29
